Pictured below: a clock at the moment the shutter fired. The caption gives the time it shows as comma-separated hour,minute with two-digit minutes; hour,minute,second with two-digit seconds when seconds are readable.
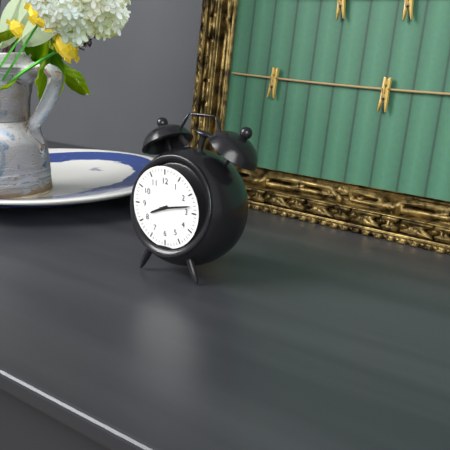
8,13
